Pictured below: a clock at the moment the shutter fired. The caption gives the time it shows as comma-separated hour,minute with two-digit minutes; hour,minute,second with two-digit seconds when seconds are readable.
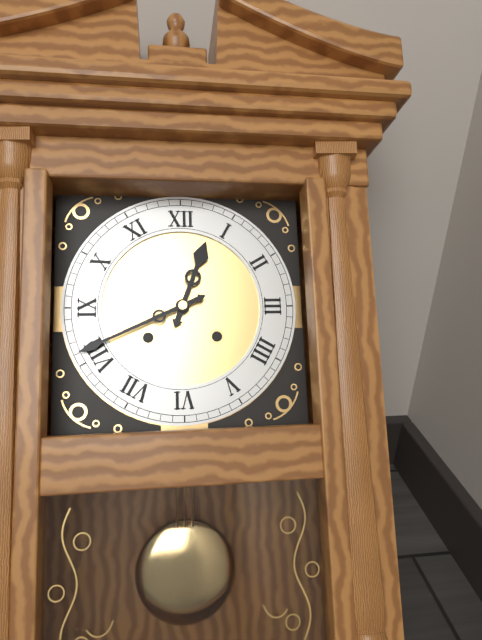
12,41
